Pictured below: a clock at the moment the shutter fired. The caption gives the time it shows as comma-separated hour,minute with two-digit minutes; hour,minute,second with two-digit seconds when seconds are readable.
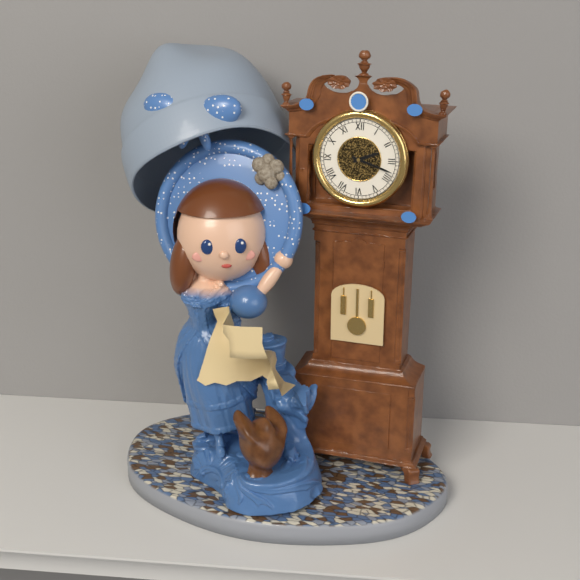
2,18
